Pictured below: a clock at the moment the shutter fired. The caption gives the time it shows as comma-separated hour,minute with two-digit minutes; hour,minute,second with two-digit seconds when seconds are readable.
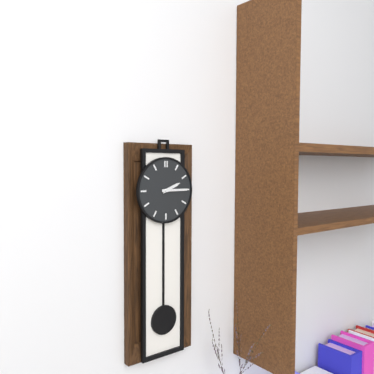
2,15
